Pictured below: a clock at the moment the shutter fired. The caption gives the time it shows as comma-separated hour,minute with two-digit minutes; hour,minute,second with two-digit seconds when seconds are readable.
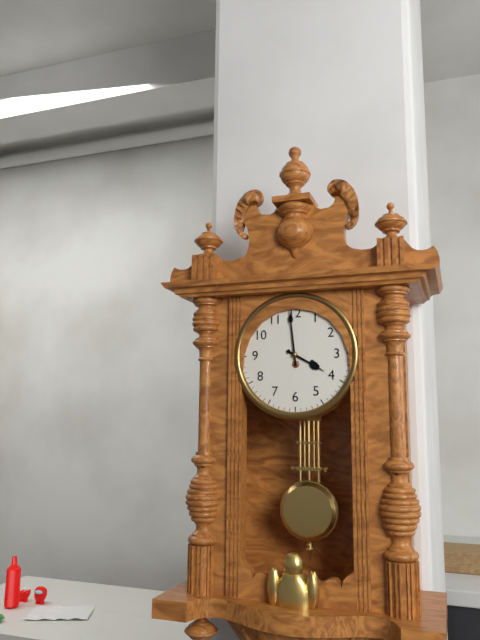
3,59
